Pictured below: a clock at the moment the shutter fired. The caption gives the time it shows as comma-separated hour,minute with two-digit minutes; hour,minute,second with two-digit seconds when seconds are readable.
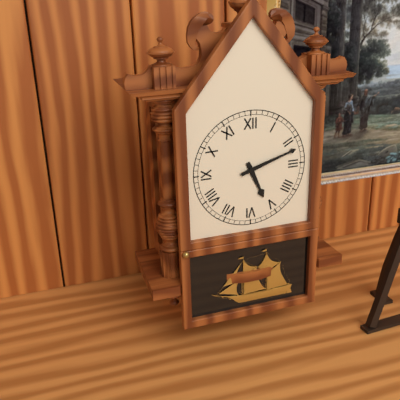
5,12
